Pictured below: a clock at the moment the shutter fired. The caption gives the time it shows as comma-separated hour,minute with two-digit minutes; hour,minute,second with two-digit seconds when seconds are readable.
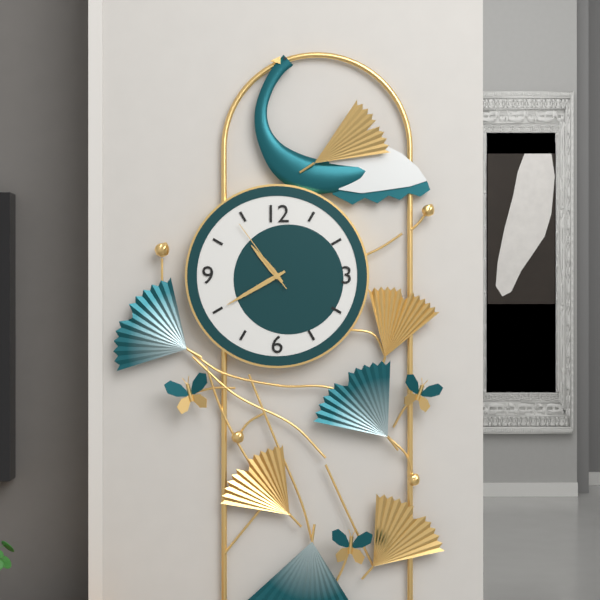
10,40,54
